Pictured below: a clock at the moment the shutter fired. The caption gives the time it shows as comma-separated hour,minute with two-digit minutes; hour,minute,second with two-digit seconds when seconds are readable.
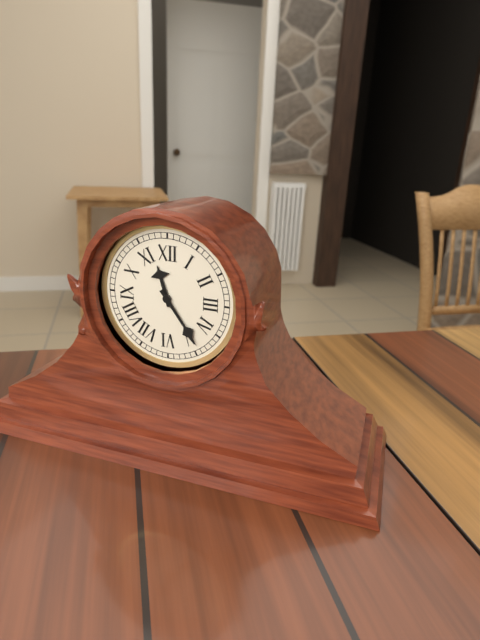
11,24
